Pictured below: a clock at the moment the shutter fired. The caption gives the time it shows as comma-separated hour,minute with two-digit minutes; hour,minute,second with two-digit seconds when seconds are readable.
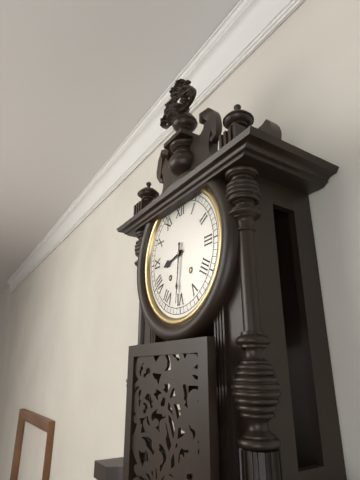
8,31
